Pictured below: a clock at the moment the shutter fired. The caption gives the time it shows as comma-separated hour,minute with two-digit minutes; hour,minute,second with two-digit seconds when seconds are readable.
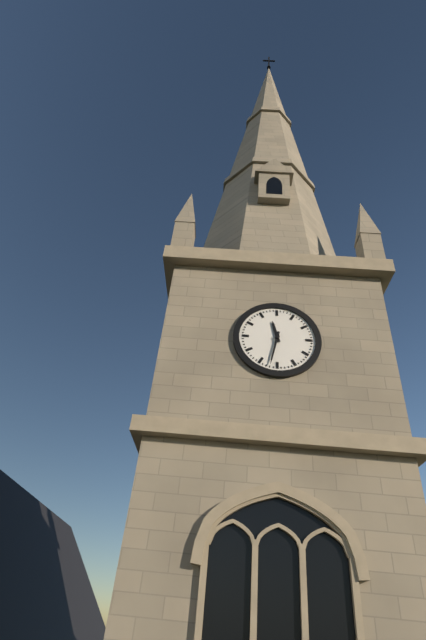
11,32
